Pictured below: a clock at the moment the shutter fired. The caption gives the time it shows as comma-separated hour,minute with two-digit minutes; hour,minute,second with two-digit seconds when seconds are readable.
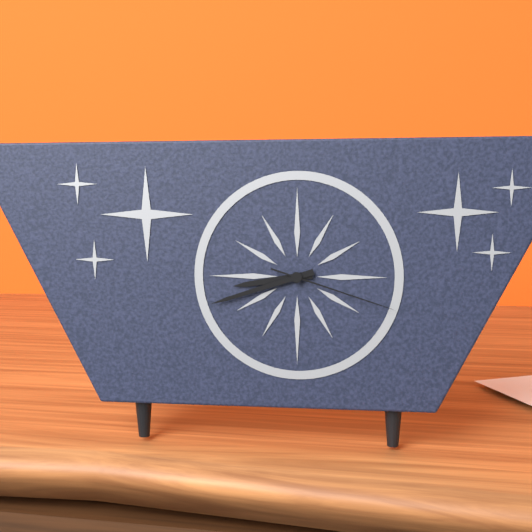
8,42,18
